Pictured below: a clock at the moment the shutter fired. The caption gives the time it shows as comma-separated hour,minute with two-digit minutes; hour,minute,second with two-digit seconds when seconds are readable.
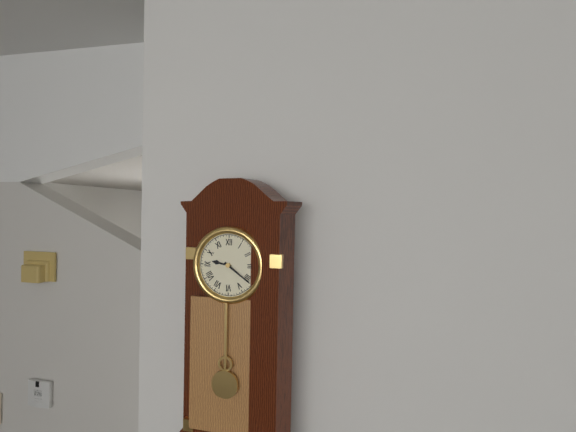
9,21
